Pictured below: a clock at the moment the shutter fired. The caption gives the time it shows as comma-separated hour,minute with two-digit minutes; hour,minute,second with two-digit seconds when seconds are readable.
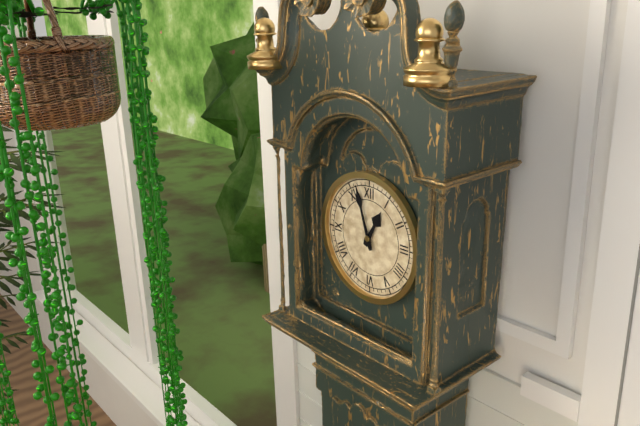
12,57
